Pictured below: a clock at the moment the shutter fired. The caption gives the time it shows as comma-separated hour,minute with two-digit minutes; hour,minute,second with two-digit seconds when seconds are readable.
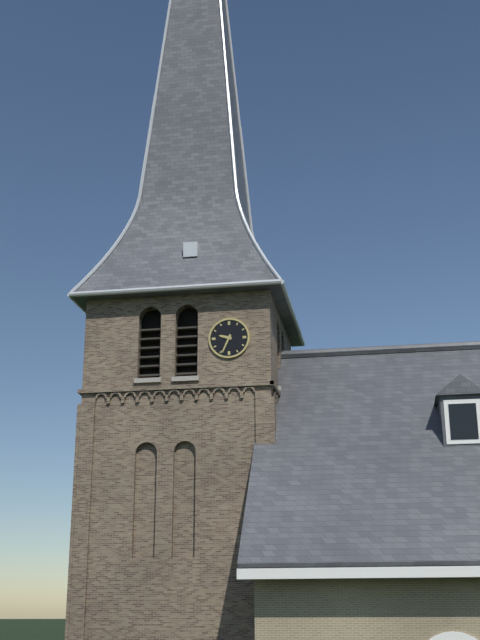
9,34
